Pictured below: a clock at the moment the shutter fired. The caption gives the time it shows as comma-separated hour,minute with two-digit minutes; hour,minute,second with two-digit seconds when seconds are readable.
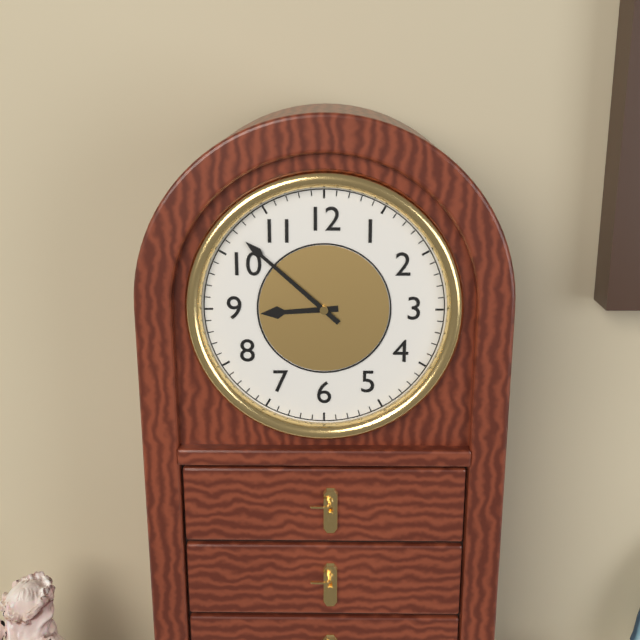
8,52
